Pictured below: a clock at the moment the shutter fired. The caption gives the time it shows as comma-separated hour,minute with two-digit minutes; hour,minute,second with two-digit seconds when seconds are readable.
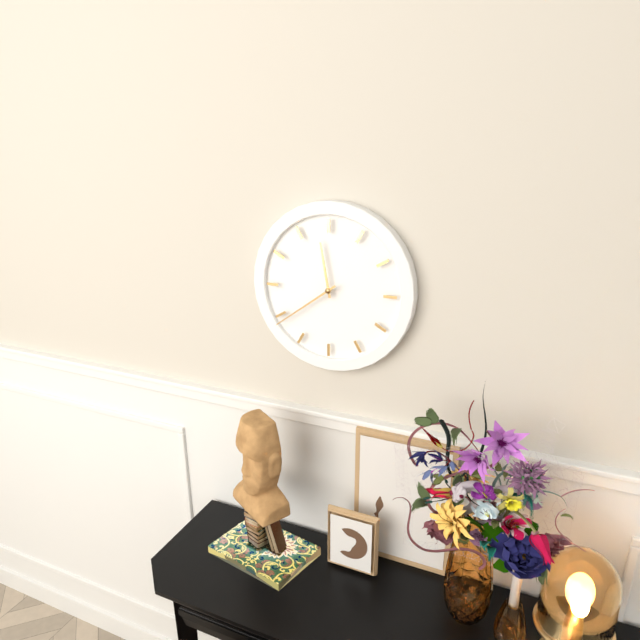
11,39
